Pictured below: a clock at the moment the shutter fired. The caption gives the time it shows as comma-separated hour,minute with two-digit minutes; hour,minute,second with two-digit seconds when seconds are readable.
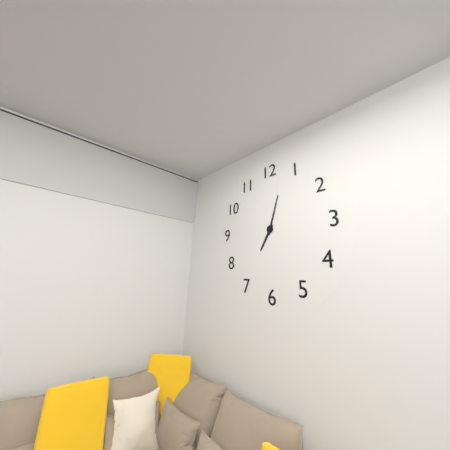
7,03
